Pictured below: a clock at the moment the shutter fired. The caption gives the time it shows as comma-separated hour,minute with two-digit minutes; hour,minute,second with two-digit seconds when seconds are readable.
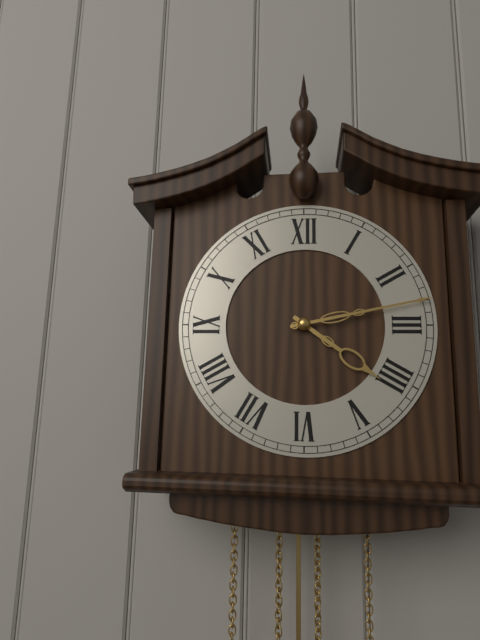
4,13
